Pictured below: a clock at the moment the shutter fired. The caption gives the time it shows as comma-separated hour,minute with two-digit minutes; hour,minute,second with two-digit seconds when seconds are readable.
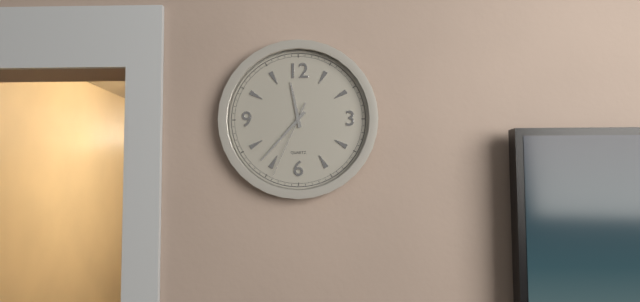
11,37,34
